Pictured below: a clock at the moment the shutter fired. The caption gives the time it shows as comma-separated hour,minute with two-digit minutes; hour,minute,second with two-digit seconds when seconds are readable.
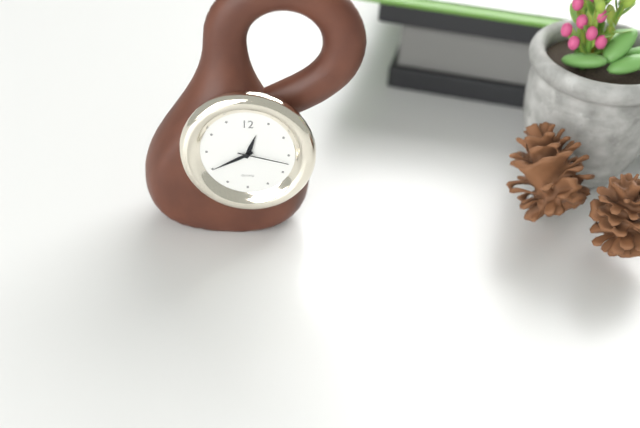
12,40,17
